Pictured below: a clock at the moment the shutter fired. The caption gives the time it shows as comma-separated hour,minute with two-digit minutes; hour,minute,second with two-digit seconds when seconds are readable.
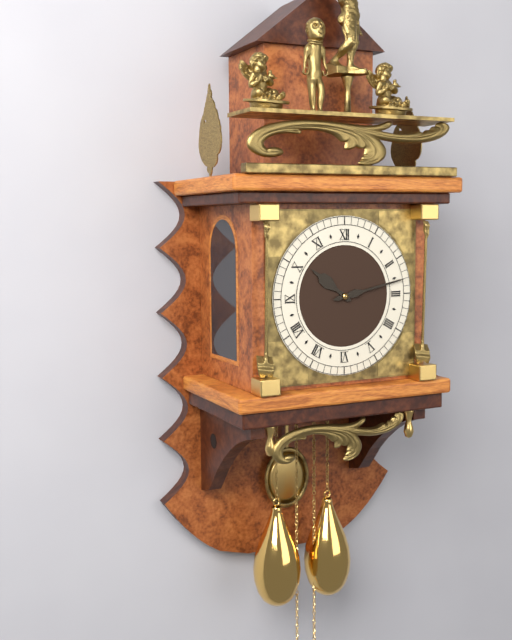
10,13
